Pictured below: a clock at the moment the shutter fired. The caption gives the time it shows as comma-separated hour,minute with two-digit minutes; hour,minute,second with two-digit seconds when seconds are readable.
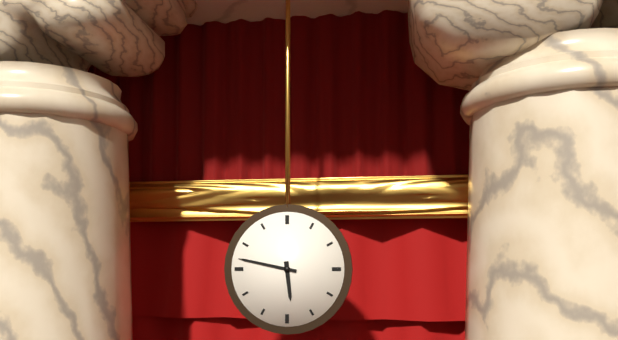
5,47
